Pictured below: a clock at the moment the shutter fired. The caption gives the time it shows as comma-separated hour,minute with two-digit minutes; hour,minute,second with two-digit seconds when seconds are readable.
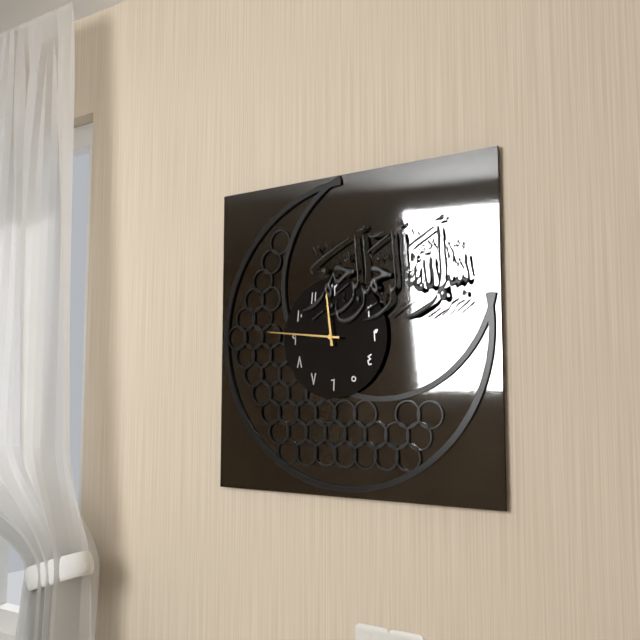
11,46
